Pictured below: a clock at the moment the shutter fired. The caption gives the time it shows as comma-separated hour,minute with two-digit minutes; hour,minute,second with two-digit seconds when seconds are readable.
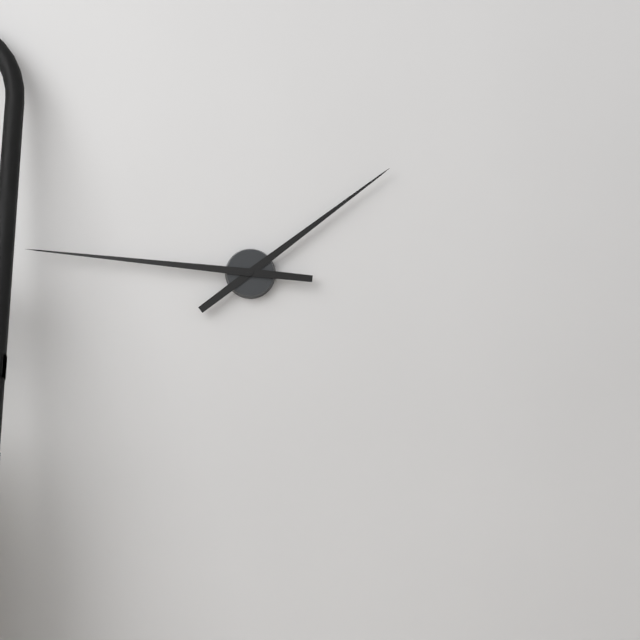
1,46
